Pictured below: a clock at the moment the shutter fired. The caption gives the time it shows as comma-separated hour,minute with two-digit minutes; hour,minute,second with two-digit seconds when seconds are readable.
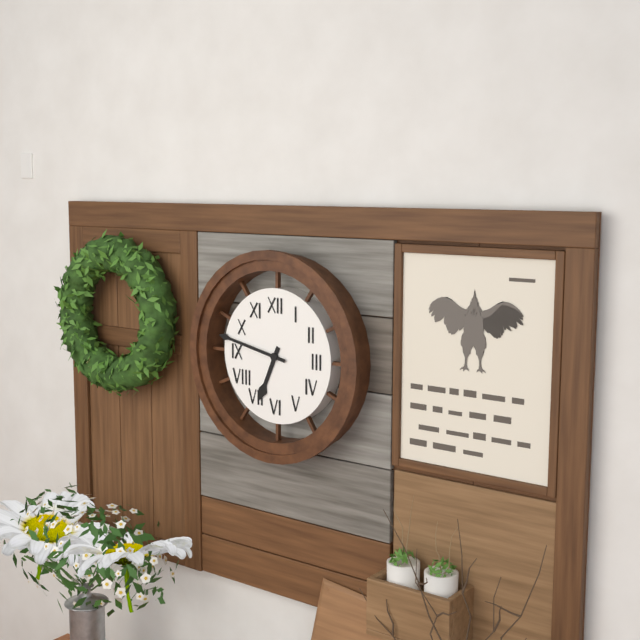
6,47
